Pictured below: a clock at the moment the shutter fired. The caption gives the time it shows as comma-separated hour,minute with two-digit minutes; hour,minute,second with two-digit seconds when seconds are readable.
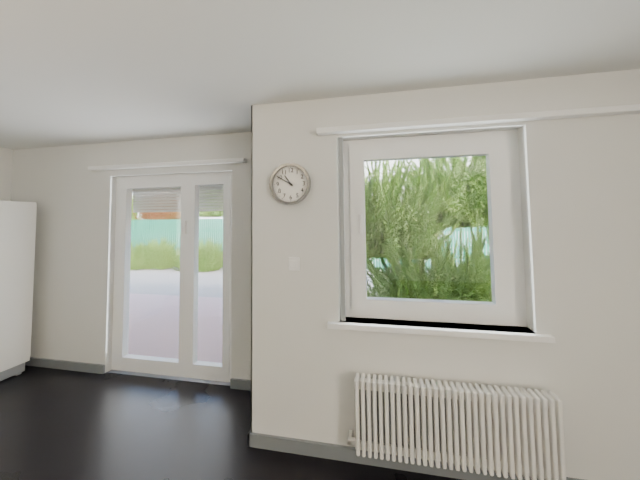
10,50
